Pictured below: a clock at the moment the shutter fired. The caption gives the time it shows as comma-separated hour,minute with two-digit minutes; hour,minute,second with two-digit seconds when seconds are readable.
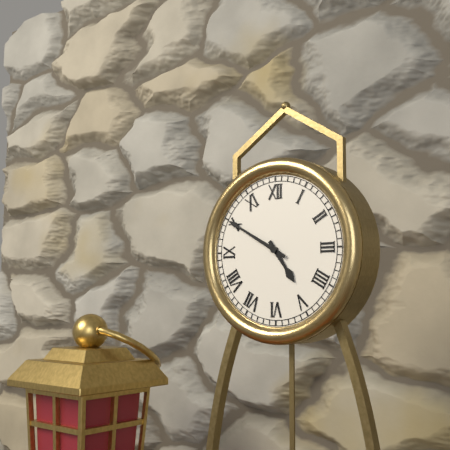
4,50
